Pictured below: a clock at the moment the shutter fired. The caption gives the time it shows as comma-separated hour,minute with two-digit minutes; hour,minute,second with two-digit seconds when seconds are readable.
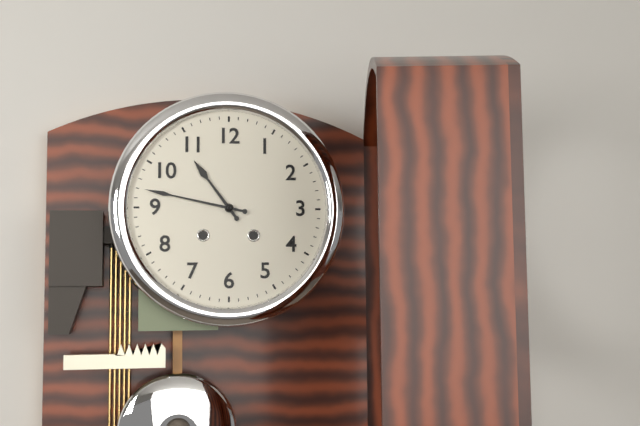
10,47
